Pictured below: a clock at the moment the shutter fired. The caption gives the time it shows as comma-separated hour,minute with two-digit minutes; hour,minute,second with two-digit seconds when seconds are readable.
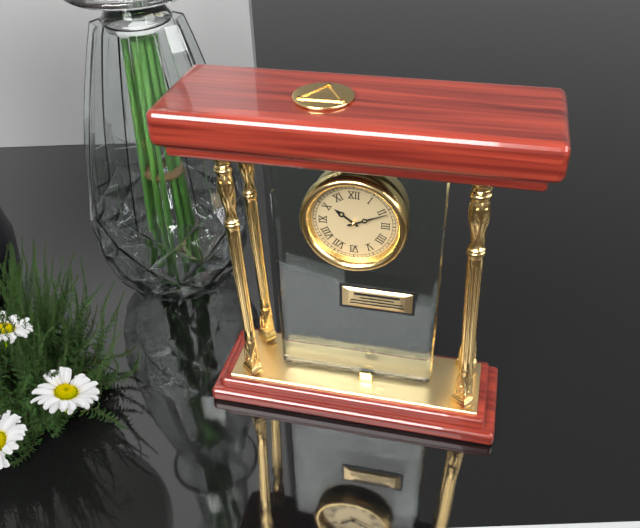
10,11
